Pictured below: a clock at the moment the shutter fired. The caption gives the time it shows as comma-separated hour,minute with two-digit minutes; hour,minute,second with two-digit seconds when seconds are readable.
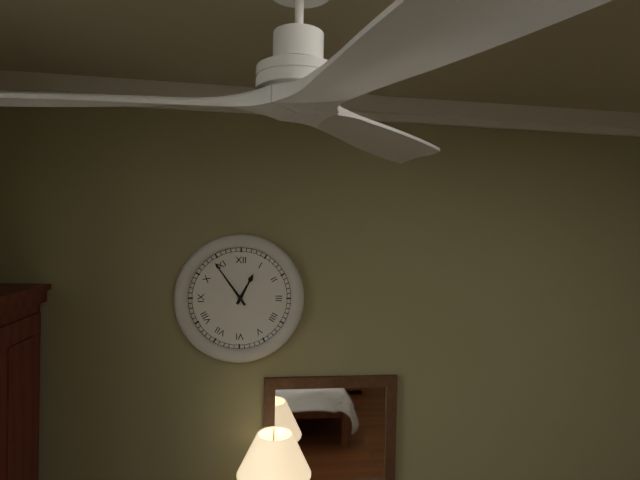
12,54
